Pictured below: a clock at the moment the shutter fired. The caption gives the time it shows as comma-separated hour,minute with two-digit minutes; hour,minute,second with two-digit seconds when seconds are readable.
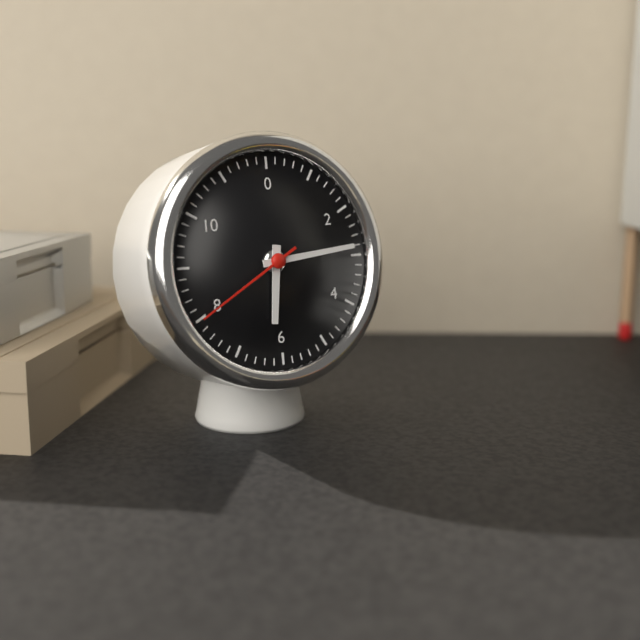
6,14,40
